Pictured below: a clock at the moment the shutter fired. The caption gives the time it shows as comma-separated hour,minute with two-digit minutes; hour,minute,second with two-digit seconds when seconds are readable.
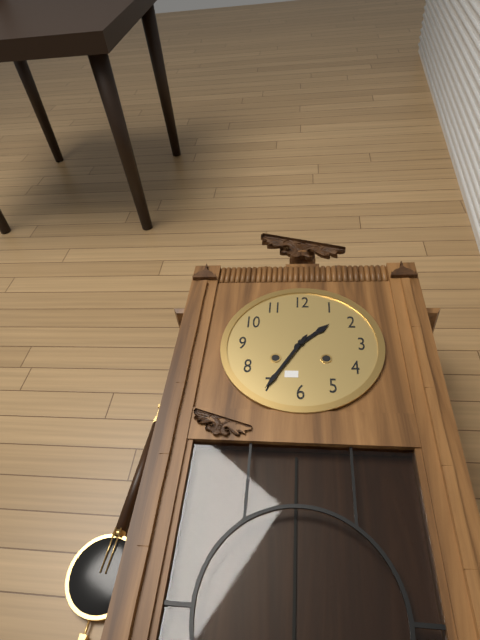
1,35
